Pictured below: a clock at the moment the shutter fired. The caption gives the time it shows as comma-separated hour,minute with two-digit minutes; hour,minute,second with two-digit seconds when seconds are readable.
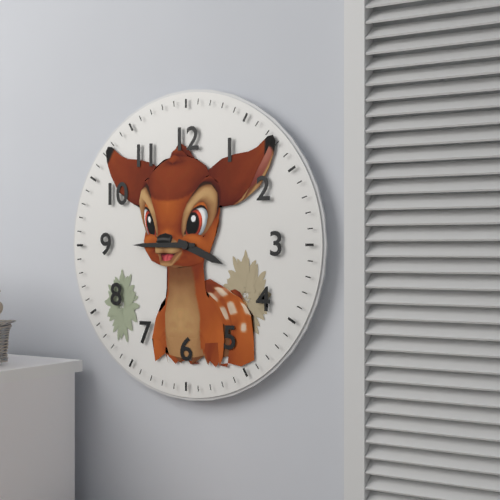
3,45
